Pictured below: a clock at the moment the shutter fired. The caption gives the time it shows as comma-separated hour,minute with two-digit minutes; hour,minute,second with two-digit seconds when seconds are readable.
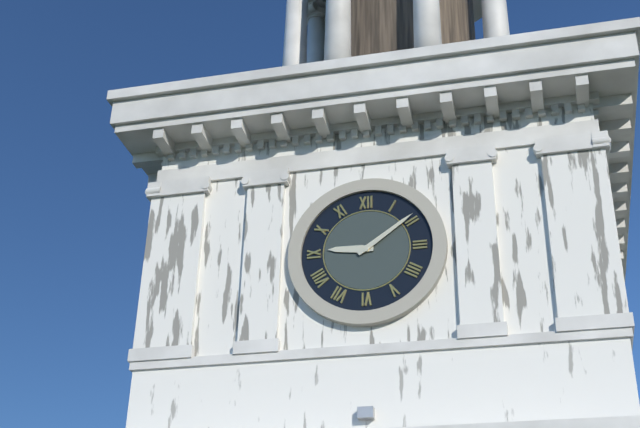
9,09
